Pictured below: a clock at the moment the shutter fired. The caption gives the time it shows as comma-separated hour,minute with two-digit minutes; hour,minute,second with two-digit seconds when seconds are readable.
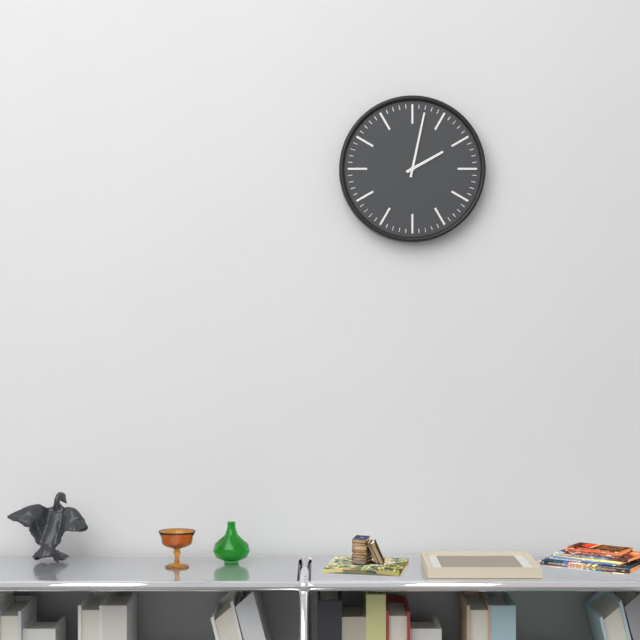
2,02
